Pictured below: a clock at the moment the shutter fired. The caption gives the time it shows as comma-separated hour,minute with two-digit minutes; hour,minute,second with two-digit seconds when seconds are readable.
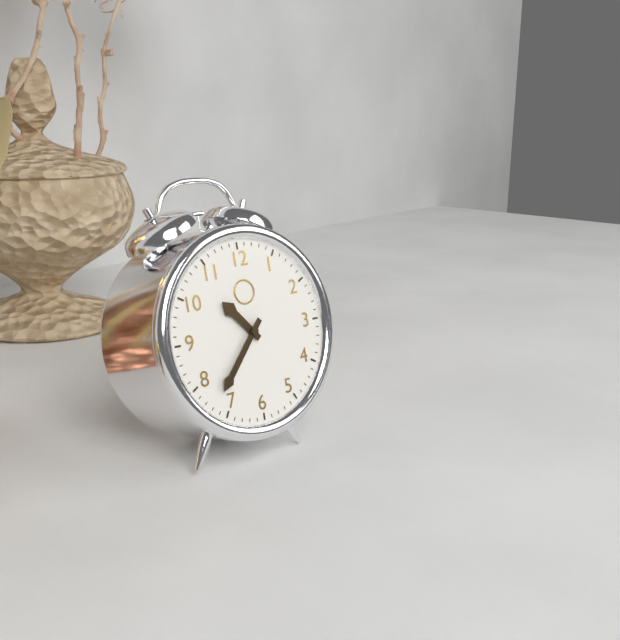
10,37
